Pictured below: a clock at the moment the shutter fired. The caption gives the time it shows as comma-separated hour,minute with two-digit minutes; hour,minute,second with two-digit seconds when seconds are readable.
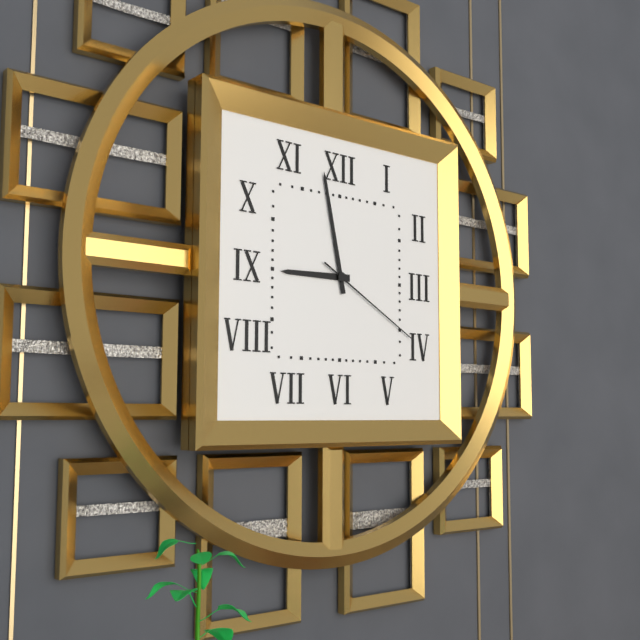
8,58,20
